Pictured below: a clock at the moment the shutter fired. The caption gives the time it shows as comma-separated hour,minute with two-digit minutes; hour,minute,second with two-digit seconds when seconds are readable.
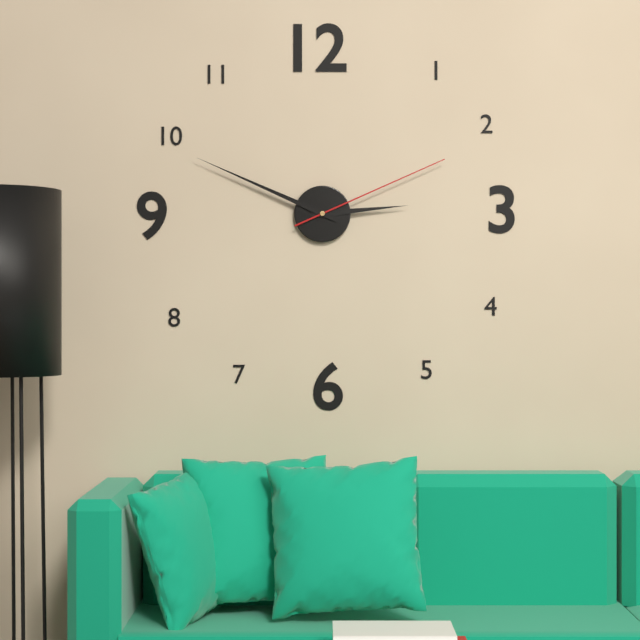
2,49,11
